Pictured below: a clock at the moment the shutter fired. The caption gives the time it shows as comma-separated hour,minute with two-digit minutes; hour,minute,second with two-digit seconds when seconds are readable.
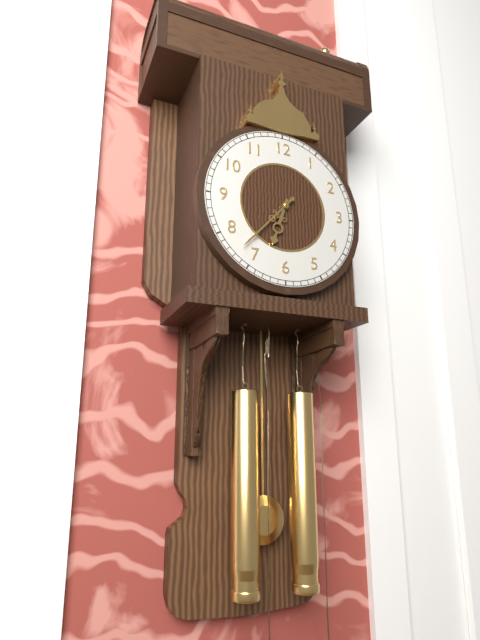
6,37
